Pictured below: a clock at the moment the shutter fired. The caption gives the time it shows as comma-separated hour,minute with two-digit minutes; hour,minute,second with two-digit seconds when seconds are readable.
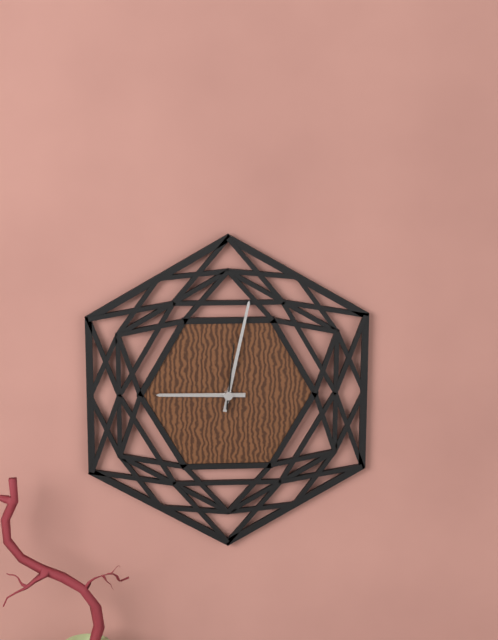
9,02,01
